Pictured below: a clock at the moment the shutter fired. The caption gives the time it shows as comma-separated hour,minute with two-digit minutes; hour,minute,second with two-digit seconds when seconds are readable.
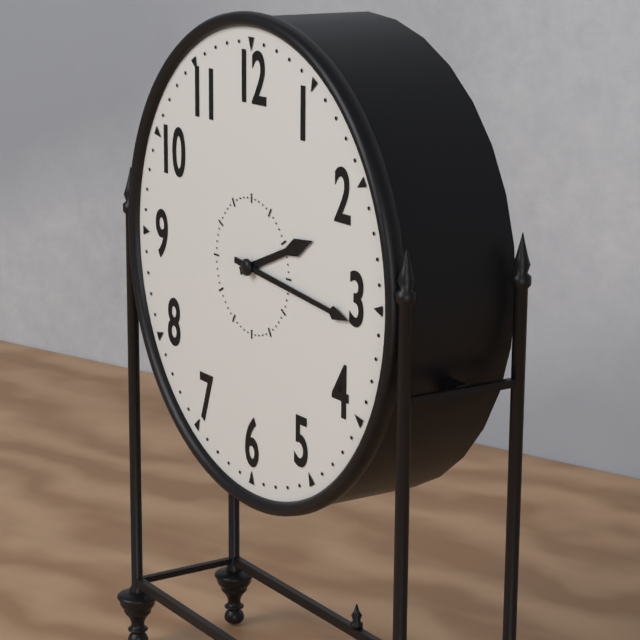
2,16
